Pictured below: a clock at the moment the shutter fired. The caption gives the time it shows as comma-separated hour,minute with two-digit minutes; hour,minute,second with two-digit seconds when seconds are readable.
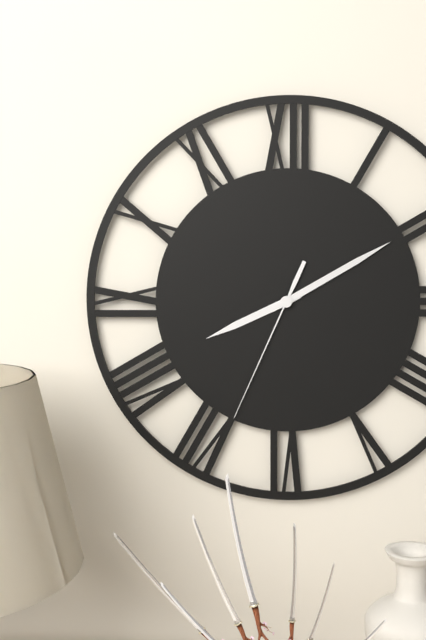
8,10,34
